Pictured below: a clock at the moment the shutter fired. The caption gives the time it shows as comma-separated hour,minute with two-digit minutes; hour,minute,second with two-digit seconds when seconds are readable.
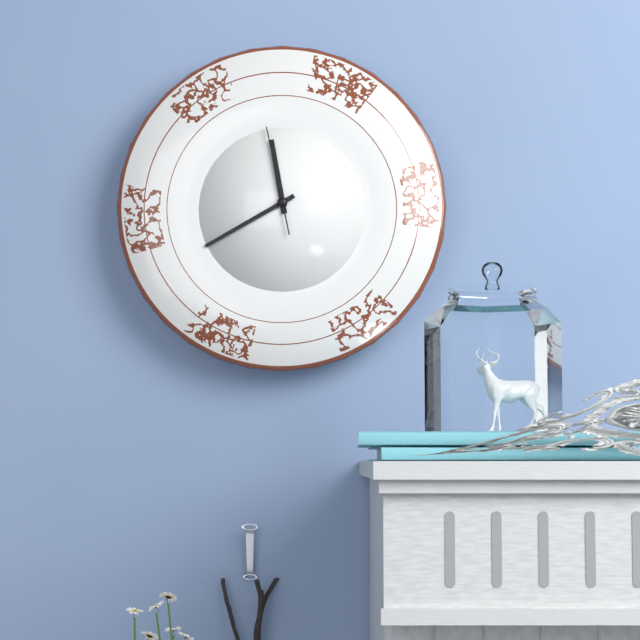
11,40,58
